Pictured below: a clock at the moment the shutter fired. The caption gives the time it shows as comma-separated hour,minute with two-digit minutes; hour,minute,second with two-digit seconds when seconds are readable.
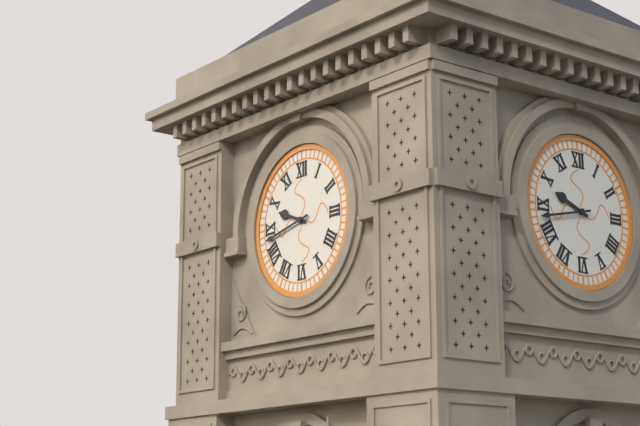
9,43
